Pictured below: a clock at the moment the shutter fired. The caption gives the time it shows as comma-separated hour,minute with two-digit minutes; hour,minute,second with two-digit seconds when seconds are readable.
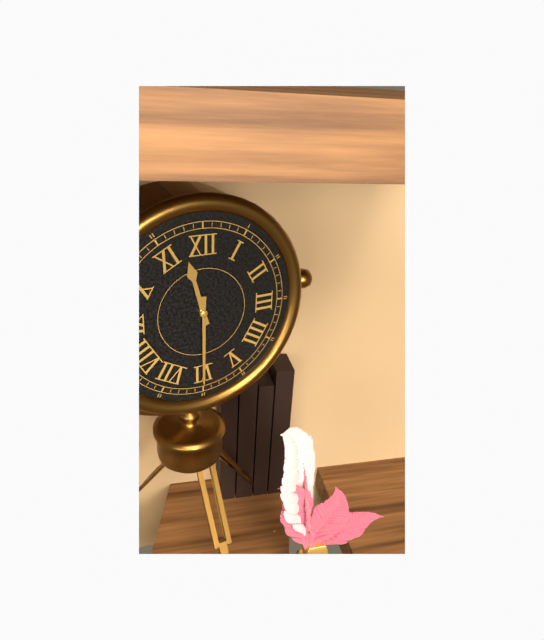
11,30
